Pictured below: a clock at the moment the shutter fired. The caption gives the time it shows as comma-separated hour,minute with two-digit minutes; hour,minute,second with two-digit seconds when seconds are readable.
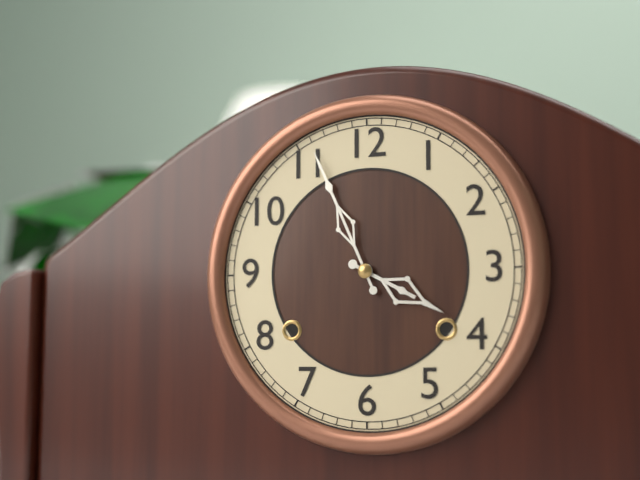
3,56
